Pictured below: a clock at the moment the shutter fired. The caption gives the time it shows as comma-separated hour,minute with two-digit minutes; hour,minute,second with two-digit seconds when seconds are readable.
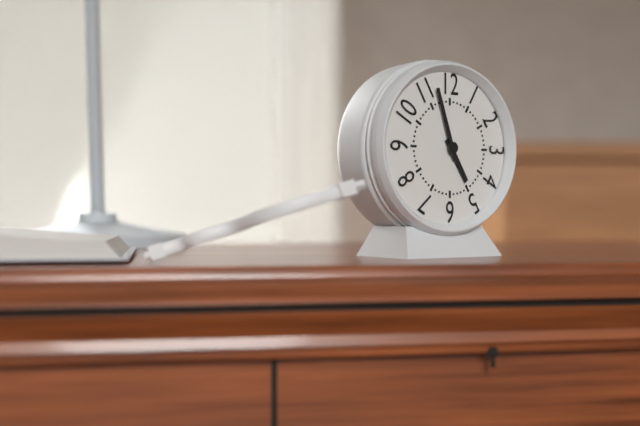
4,57
